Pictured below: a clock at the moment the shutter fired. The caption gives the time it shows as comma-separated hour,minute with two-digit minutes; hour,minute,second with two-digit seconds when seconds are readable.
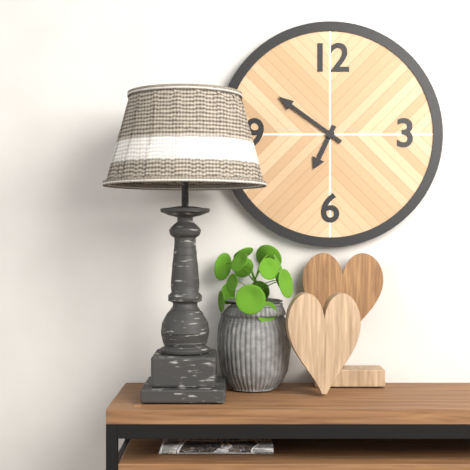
6,51
